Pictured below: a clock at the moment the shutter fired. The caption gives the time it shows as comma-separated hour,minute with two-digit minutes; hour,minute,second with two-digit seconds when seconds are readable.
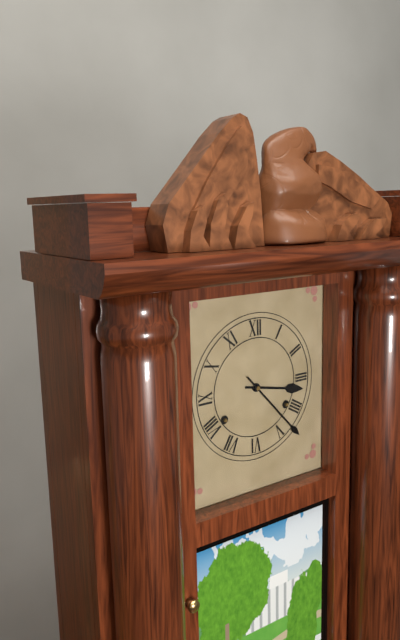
3,23
